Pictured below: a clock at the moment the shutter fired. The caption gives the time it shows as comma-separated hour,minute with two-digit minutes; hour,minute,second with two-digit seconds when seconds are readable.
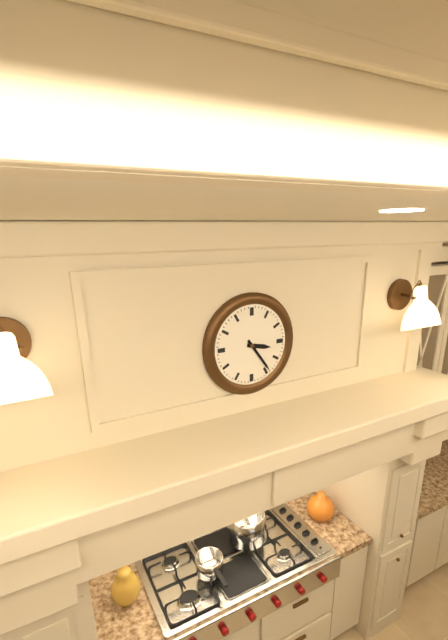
3,24
